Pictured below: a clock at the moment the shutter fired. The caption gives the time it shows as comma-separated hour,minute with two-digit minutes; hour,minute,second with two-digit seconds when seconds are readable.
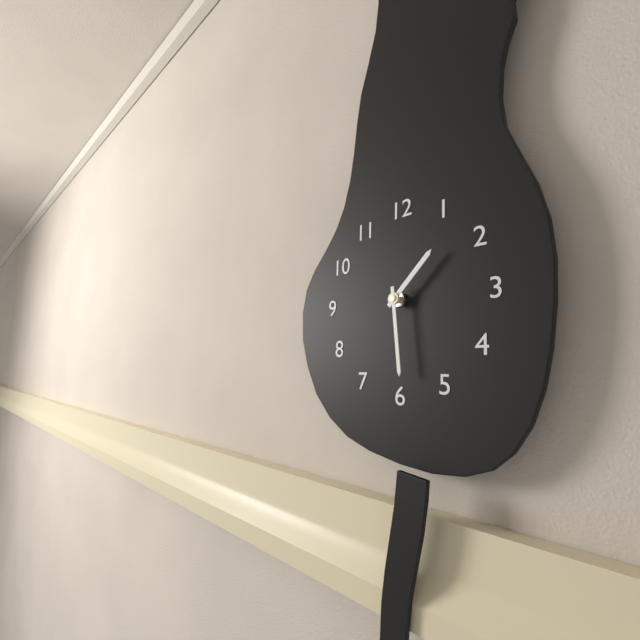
1,29
